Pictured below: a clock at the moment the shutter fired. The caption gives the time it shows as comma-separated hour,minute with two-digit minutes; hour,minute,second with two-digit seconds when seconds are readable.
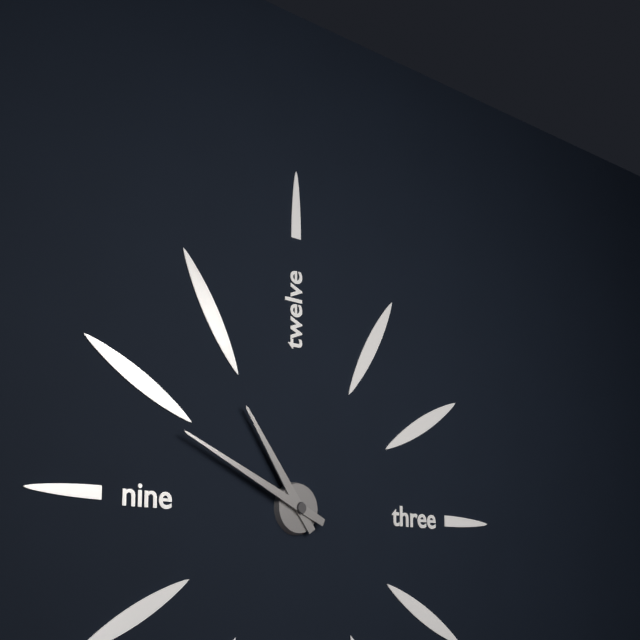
10,49
